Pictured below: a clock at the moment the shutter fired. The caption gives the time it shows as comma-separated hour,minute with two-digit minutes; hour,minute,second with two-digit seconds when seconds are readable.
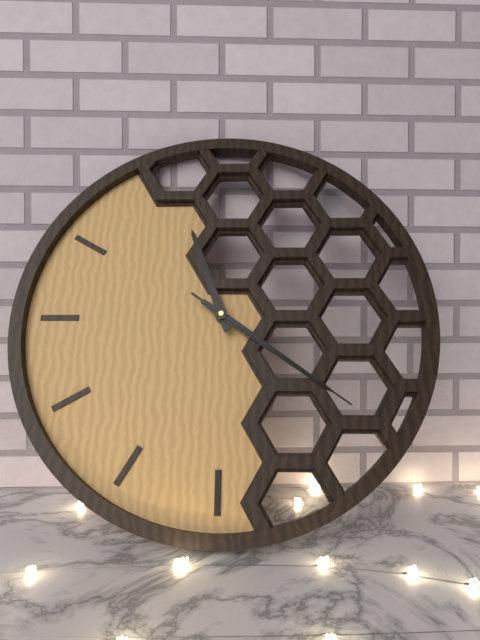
11,21,21
